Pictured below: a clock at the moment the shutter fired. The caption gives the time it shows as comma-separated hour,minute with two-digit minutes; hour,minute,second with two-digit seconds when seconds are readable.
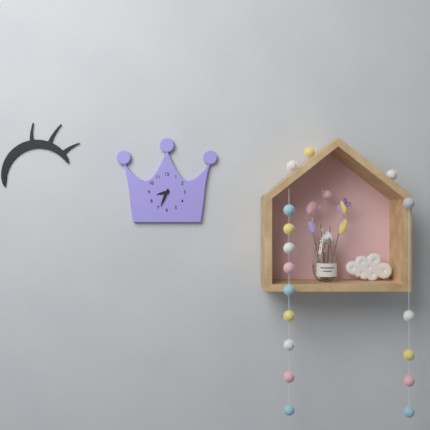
8,34
